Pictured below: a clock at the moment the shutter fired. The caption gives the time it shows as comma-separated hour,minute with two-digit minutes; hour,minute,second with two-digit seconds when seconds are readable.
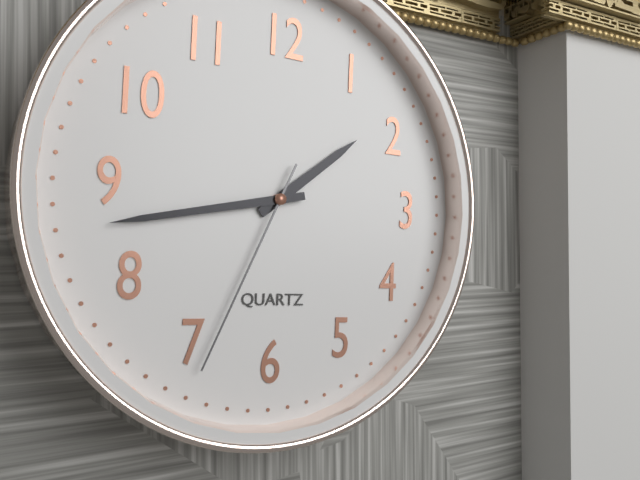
1,43,34
